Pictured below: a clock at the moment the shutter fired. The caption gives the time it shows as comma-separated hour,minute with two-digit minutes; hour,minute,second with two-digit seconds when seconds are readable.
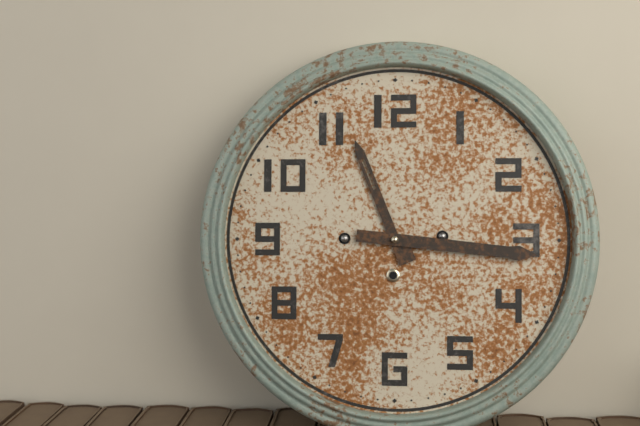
11,16
